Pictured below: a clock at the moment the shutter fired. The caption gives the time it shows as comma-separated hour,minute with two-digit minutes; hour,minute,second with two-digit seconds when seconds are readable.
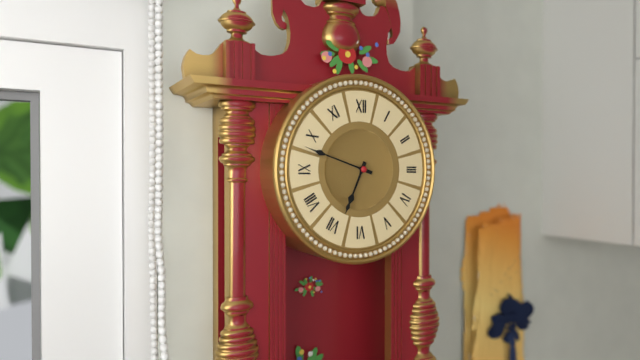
6,48
